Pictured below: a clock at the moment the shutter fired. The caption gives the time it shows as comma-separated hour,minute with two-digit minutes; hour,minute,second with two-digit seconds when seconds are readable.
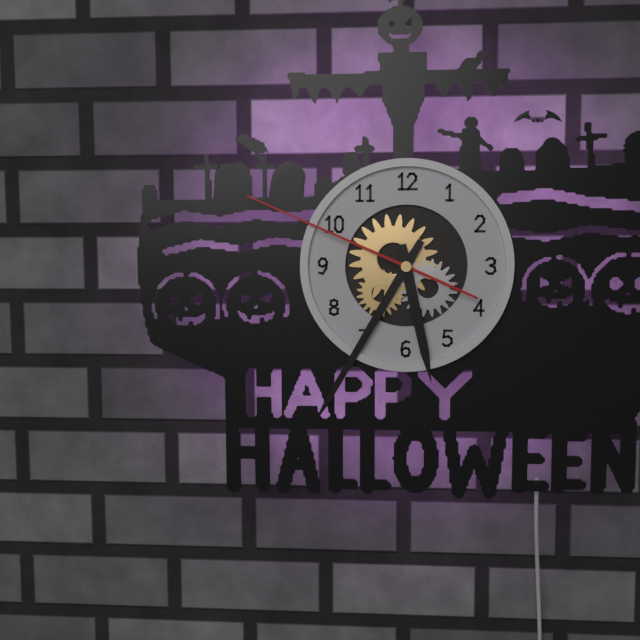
5,35,49
